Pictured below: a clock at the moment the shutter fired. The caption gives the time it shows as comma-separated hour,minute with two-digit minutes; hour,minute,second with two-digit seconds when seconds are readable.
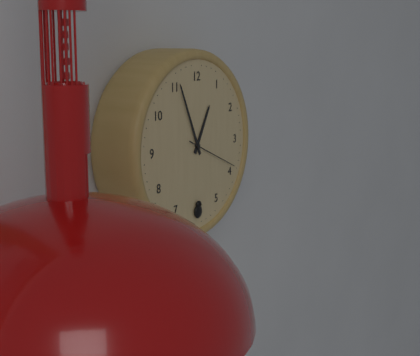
12,56,19
